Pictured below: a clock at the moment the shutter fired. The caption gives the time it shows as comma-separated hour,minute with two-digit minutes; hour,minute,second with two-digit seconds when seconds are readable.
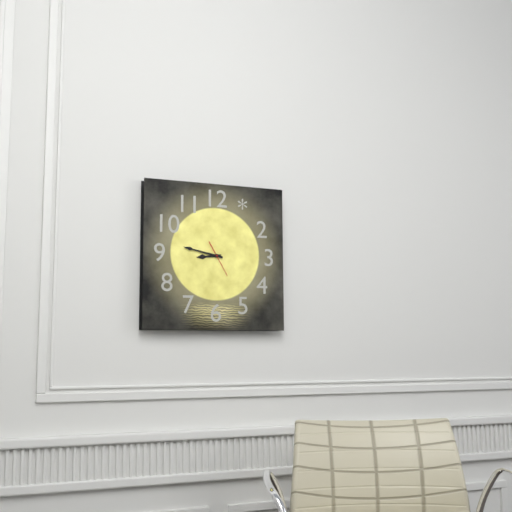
8,47
